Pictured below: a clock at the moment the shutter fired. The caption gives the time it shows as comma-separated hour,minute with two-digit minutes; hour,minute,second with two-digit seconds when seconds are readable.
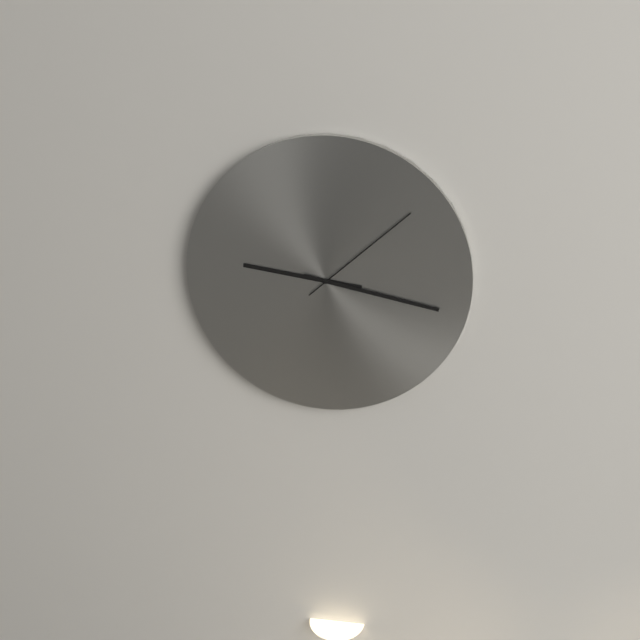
9,17,08
